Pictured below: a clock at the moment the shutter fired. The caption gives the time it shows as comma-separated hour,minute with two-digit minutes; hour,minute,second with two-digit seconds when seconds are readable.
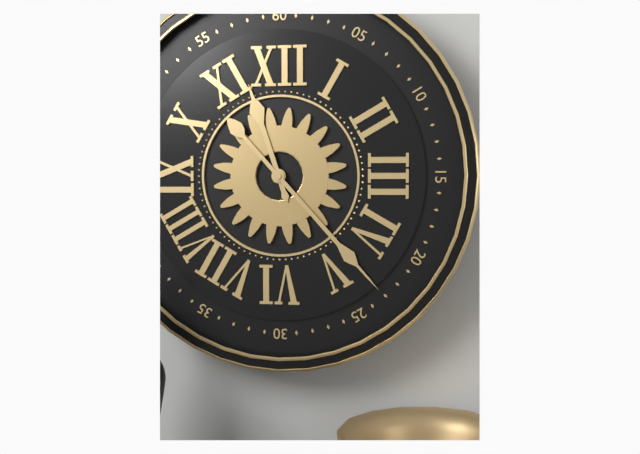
11,23
